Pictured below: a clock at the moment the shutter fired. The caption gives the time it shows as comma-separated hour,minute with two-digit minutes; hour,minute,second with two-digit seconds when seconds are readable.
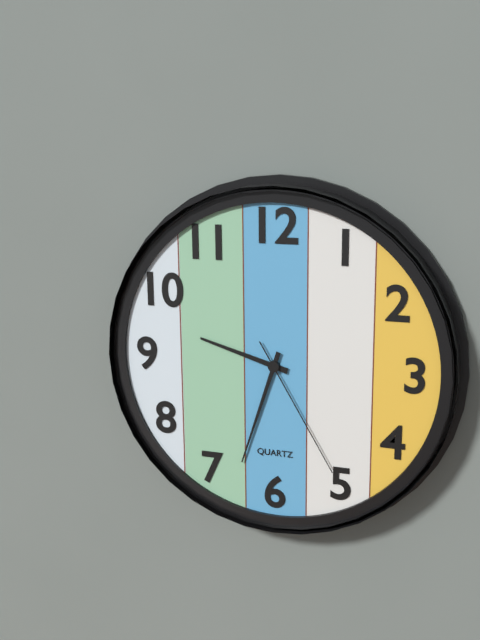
9,33,25
